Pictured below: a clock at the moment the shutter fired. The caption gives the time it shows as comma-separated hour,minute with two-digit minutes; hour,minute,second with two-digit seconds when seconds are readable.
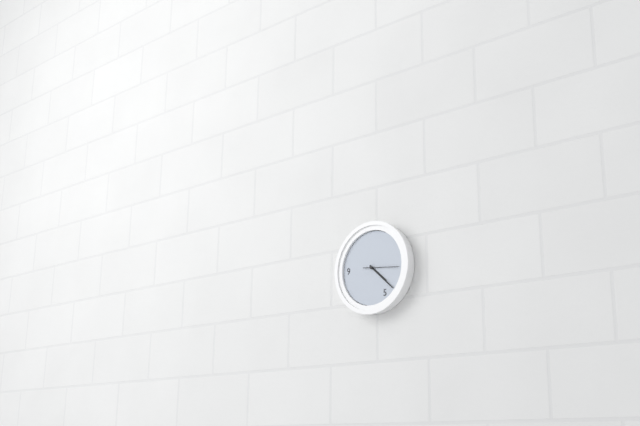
4,22
